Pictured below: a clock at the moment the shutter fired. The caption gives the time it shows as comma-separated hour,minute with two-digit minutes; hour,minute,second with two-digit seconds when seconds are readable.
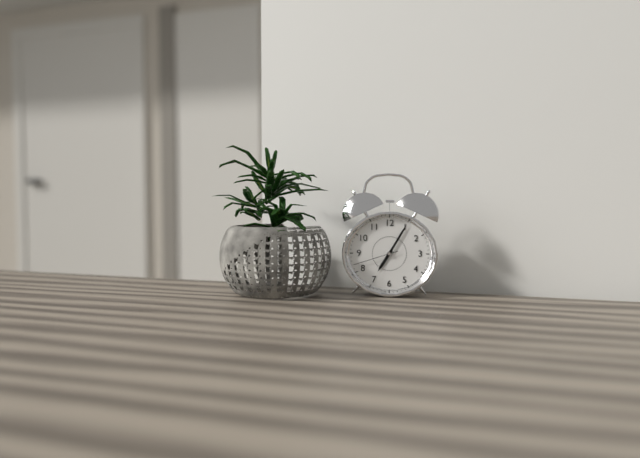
7,05
